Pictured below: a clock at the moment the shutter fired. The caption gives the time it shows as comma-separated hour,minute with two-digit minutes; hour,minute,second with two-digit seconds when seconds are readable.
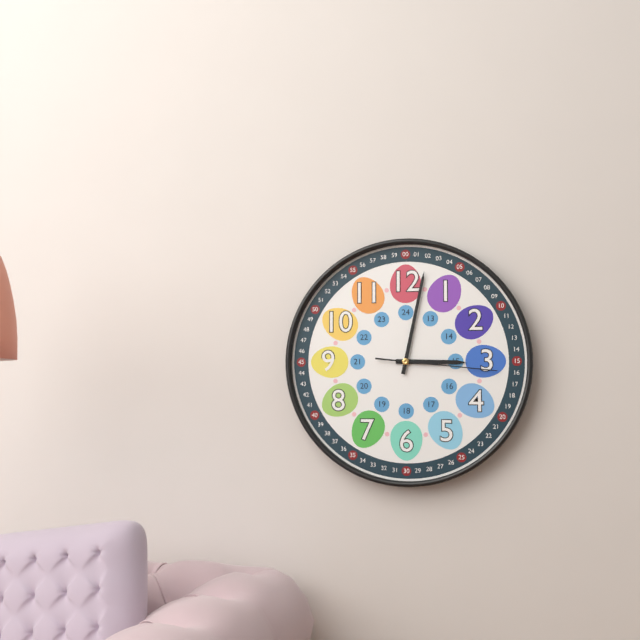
3,02,16
